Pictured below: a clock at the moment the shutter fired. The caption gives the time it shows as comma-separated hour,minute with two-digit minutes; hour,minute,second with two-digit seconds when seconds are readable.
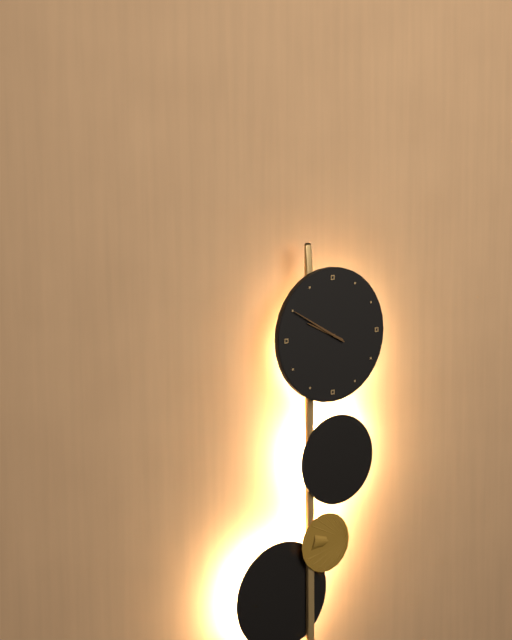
9,50
